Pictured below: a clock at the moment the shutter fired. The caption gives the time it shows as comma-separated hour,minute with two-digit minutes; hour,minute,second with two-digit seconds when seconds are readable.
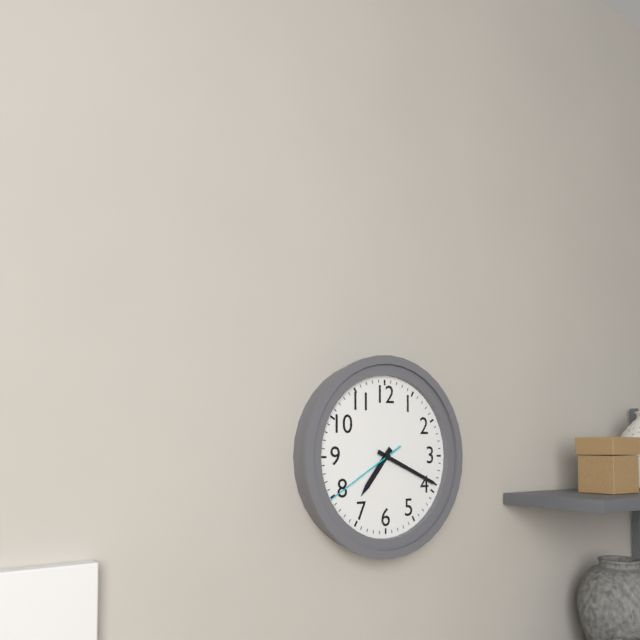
7,19,40
